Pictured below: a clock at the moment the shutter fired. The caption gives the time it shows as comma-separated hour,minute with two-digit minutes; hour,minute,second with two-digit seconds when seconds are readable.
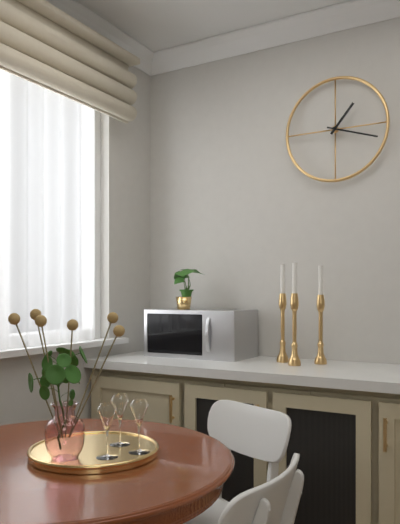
1,18
